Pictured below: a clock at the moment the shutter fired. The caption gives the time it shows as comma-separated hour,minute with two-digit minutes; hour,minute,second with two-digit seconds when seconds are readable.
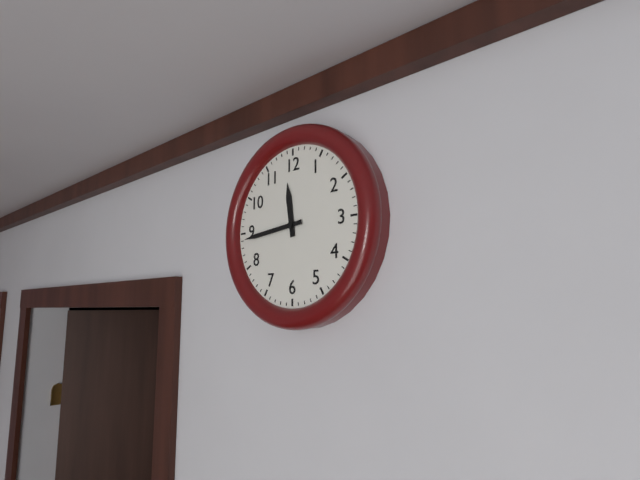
11,44
